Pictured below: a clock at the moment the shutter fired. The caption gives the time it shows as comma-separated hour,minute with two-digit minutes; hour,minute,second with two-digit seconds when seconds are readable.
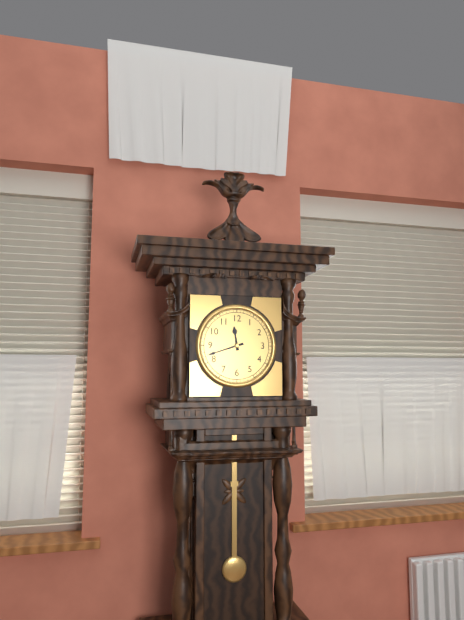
11,42
